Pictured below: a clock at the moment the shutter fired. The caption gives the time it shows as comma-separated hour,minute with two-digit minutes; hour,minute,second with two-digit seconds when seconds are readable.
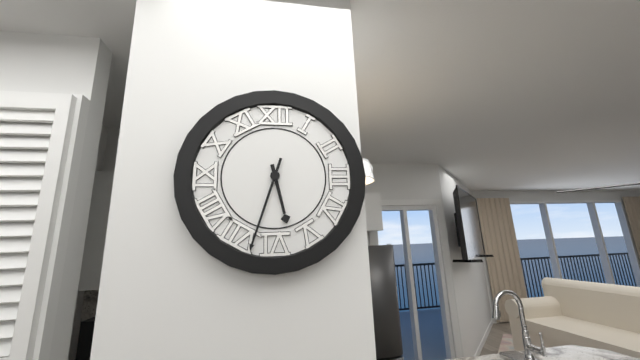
5,33
